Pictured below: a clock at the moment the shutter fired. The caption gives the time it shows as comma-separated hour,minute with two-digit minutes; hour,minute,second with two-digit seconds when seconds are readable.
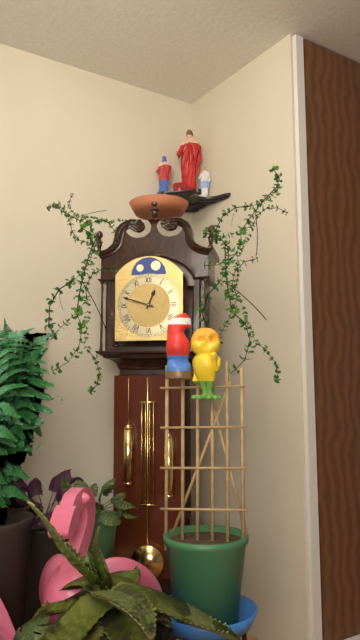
12,48
